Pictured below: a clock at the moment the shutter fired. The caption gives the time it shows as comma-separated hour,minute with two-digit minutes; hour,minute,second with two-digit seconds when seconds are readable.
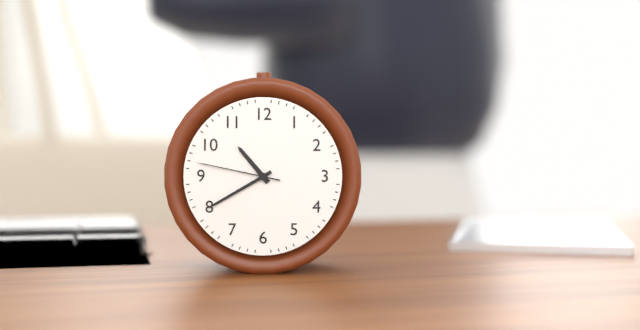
10,40,47
